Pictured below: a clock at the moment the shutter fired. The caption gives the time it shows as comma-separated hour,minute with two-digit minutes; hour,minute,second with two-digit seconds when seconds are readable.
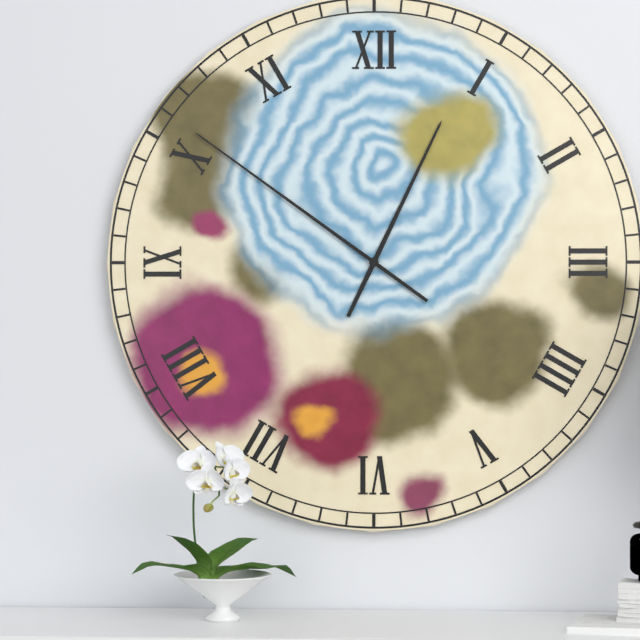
12,51
